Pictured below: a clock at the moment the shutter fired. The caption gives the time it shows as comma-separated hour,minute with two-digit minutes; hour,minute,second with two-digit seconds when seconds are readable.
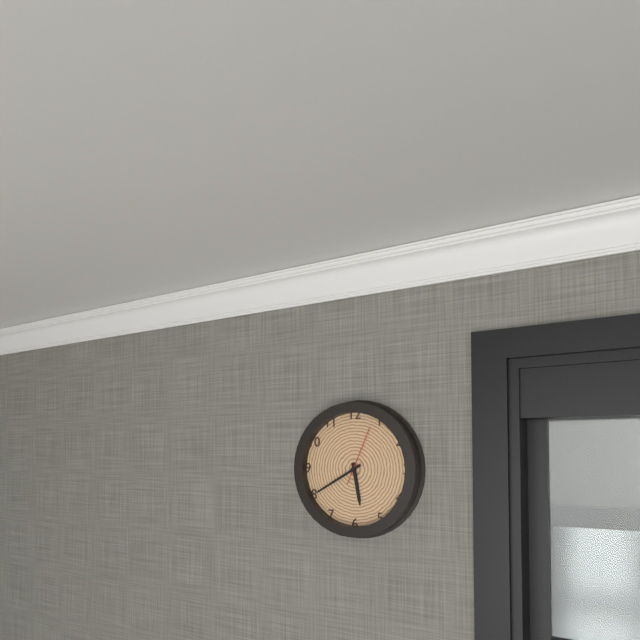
5,40,04
